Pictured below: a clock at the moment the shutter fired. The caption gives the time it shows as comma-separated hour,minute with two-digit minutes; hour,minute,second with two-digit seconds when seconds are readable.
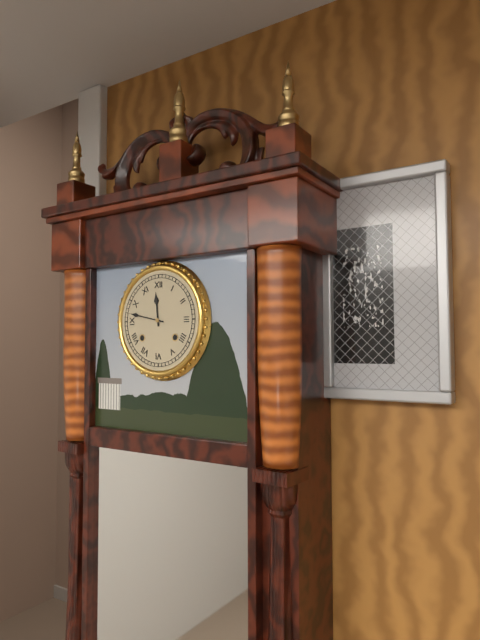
11,47
